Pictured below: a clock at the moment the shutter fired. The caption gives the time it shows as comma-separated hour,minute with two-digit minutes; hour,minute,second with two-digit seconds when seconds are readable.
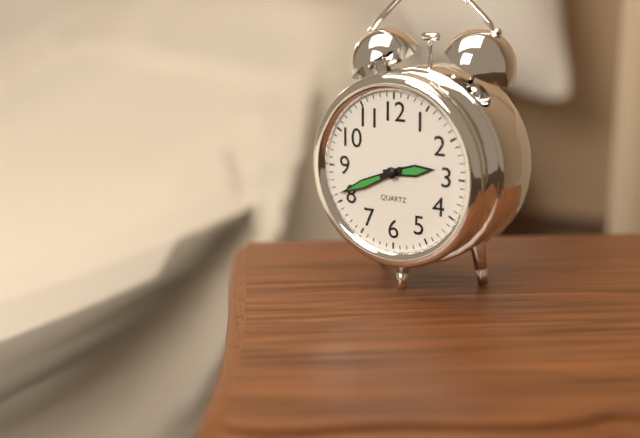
2,41
